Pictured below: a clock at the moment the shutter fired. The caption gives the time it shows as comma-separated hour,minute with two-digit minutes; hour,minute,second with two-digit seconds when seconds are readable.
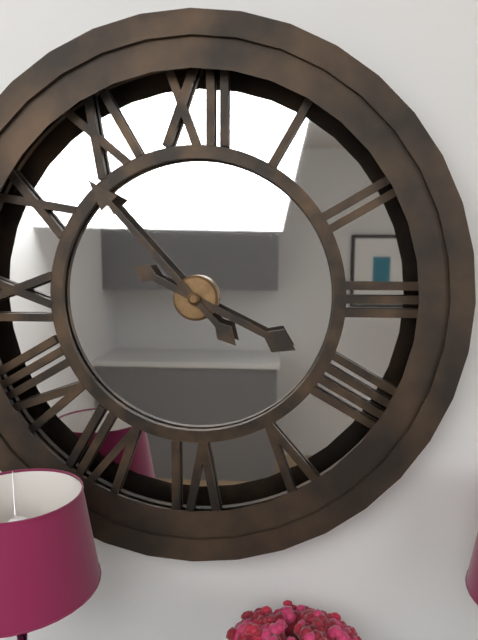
3,53
